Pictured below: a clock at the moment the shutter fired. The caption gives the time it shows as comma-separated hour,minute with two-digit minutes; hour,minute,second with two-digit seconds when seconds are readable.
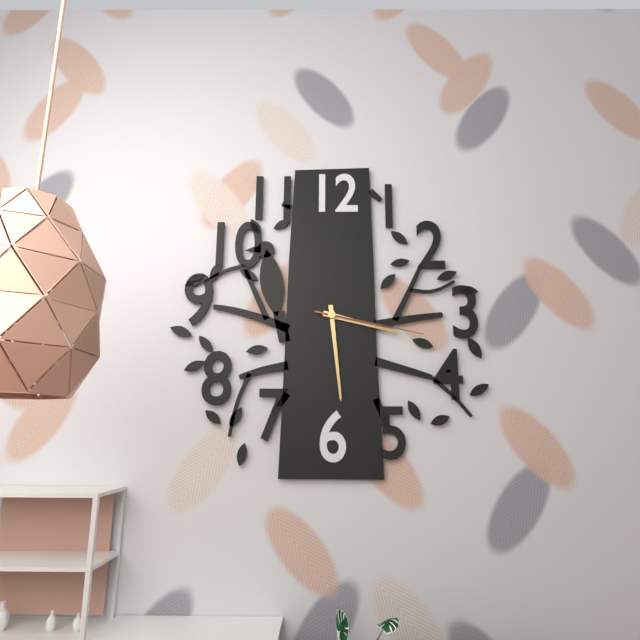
3,29,17
